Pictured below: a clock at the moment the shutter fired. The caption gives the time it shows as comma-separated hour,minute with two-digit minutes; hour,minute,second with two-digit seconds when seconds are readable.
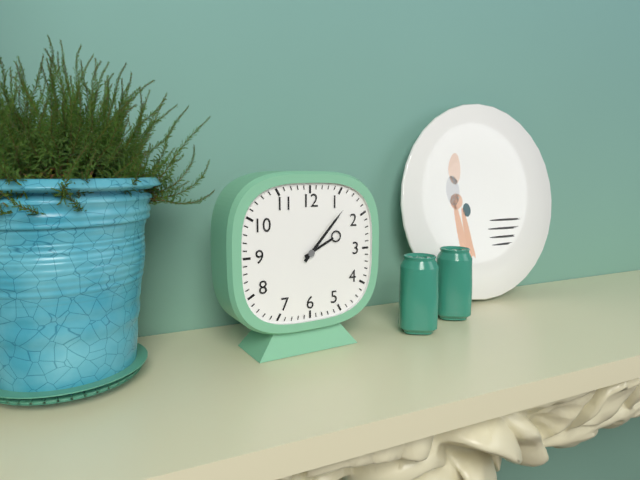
2,07
